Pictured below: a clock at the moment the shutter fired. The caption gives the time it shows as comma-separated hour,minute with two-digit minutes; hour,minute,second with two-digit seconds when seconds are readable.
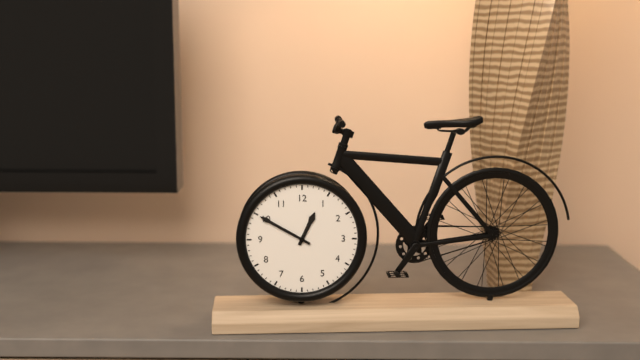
12,50
